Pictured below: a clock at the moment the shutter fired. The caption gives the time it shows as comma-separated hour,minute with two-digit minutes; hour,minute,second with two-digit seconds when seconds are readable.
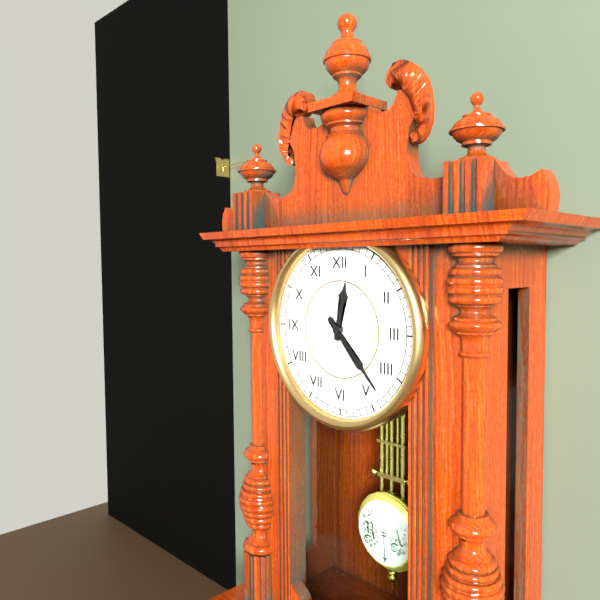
12,23
